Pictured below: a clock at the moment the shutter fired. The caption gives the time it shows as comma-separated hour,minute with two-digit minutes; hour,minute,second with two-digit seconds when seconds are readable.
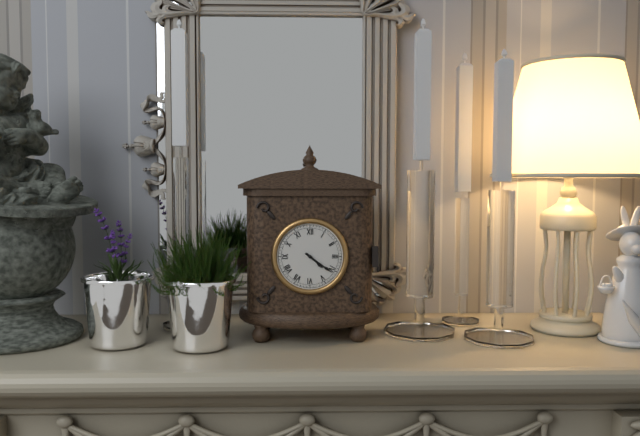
4,21
